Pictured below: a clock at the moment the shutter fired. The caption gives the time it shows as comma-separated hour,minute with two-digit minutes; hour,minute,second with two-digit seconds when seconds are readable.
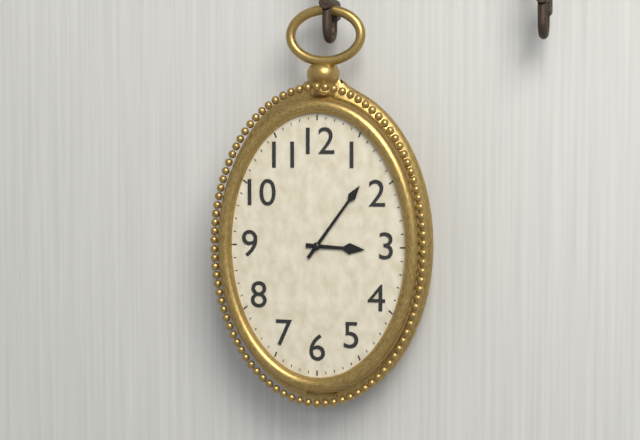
3,06
